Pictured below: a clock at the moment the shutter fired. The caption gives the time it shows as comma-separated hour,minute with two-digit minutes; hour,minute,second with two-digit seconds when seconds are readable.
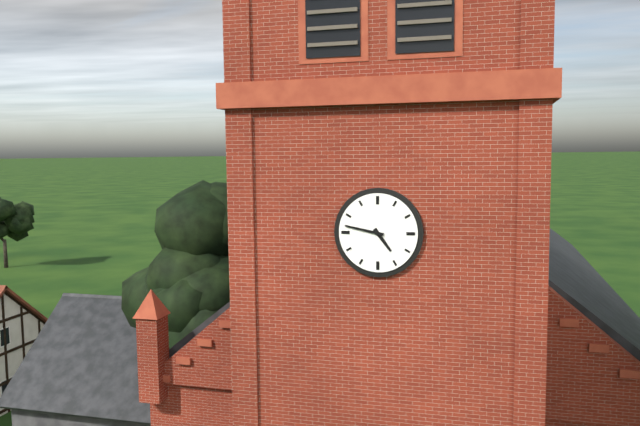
4,47
